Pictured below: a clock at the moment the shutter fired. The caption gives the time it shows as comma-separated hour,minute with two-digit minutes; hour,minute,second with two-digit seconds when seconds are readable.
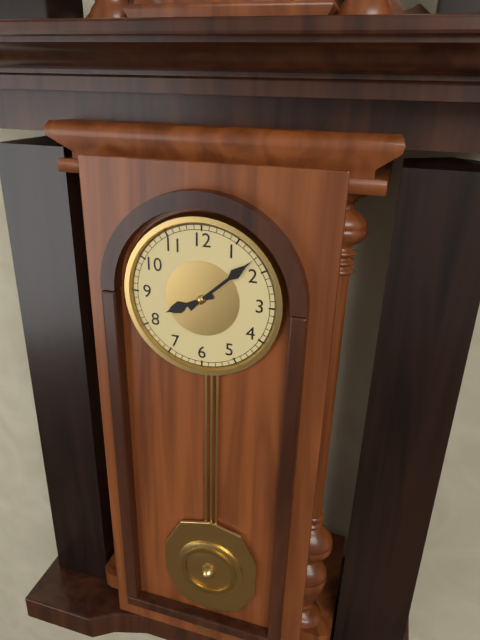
8,08
